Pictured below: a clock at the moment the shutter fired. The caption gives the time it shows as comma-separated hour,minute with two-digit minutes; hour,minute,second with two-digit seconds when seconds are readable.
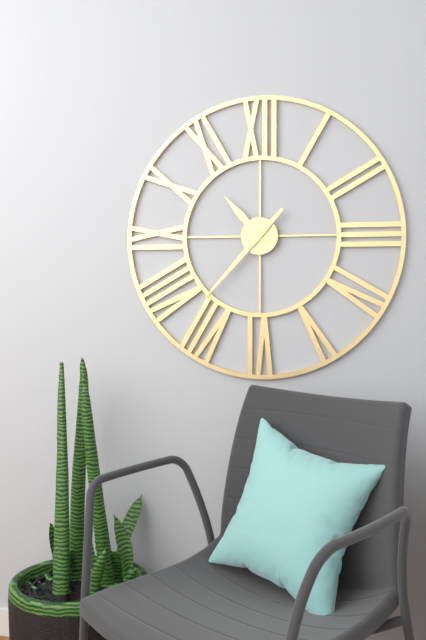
10,37
